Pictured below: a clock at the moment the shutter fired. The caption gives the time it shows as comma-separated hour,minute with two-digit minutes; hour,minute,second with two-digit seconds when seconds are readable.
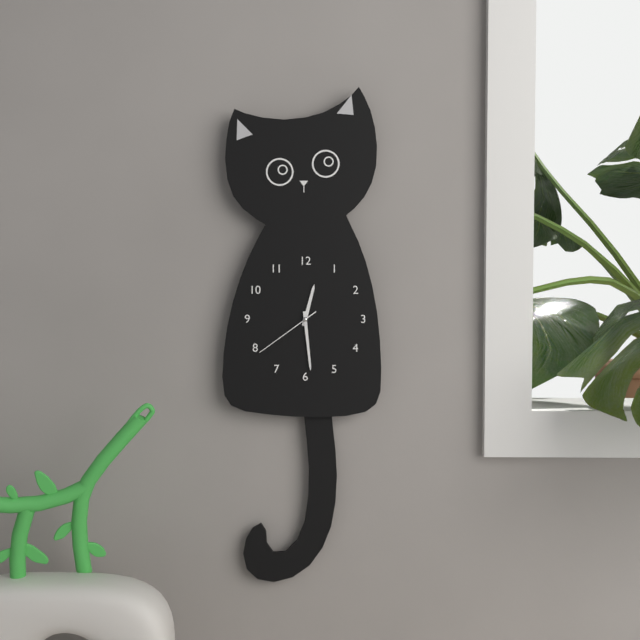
12,29,39
